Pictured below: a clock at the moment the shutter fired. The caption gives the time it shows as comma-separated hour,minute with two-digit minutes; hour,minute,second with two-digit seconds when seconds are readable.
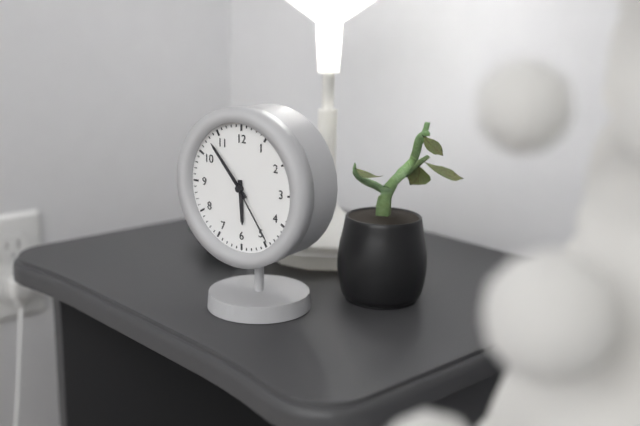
5,53,24
